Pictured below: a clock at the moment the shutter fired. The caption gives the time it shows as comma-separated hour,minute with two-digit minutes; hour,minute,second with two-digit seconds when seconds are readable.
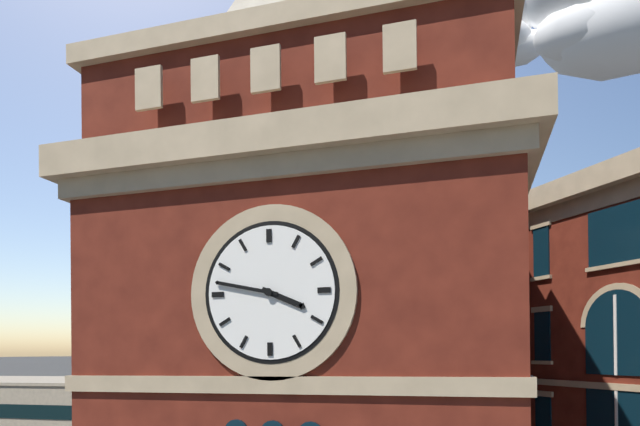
3,47
